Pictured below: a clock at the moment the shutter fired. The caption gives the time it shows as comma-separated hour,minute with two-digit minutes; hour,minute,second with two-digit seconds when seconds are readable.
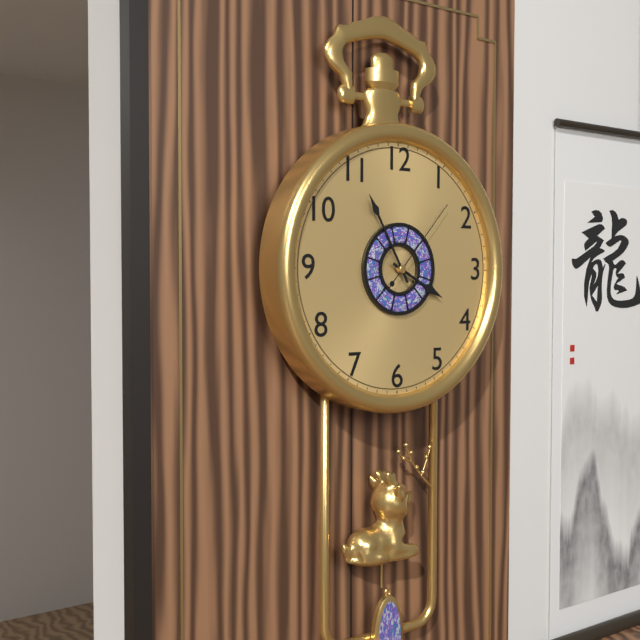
3,55,07
